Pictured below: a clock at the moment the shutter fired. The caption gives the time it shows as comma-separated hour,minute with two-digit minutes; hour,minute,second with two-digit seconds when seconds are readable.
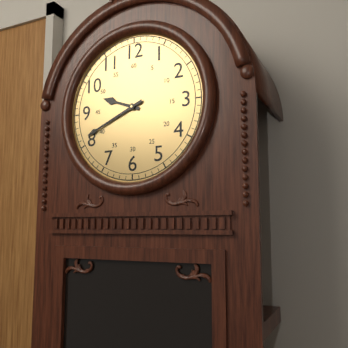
9,41
